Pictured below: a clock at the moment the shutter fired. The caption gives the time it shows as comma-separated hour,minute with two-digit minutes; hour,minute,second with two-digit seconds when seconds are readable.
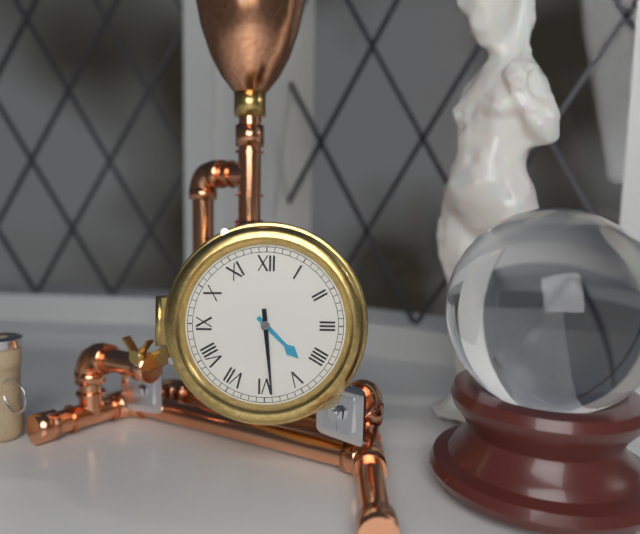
4,29
